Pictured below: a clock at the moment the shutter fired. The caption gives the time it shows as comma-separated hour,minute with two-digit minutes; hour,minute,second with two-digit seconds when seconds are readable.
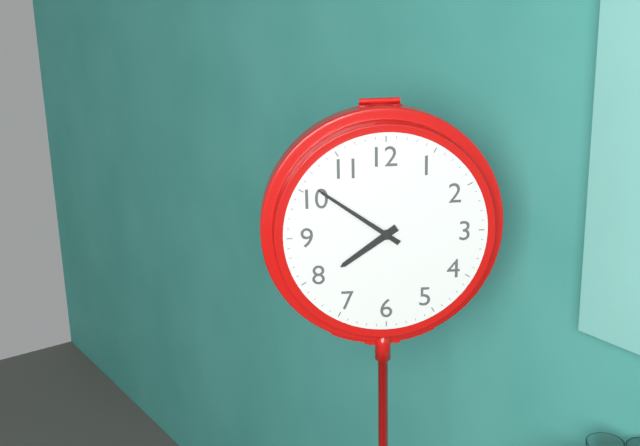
7,51
